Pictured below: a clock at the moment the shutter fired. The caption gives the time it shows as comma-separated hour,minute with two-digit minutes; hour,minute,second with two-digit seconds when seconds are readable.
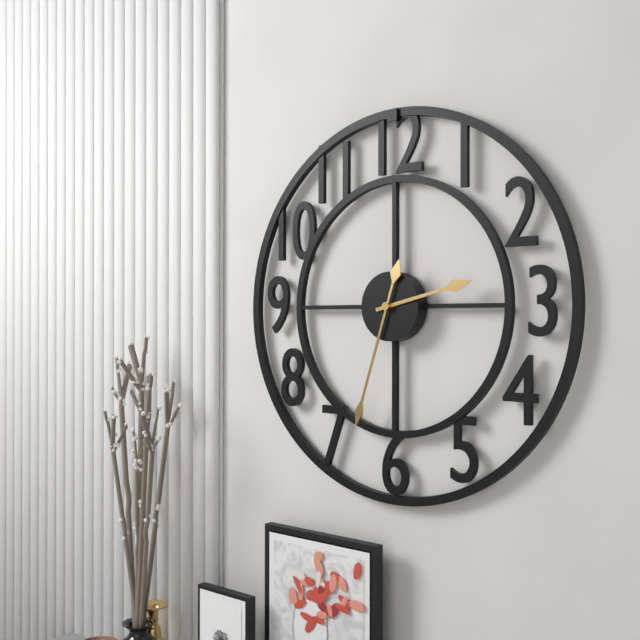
2,33
